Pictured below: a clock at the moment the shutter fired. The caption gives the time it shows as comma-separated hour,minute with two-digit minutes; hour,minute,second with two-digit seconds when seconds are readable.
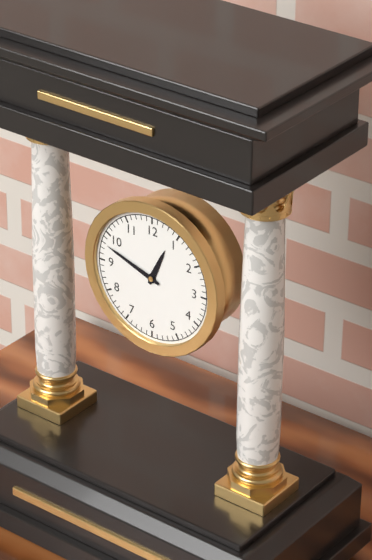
12,48
